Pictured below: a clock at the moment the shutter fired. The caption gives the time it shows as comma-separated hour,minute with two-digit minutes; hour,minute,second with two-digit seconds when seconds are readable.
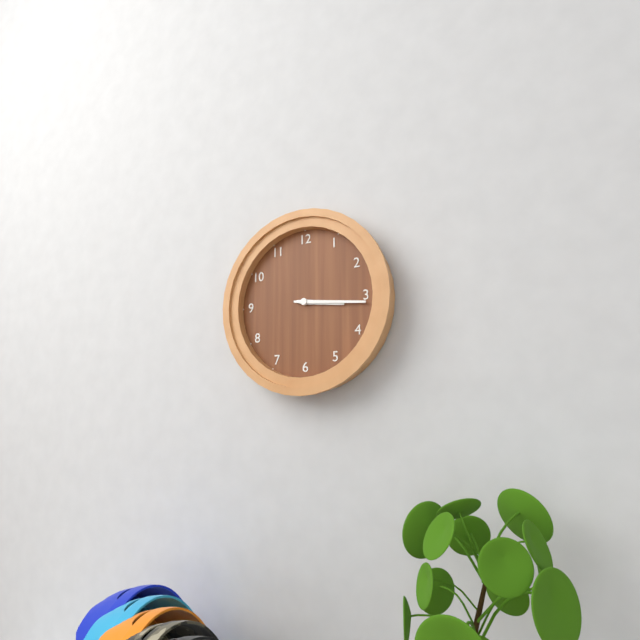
3,16
